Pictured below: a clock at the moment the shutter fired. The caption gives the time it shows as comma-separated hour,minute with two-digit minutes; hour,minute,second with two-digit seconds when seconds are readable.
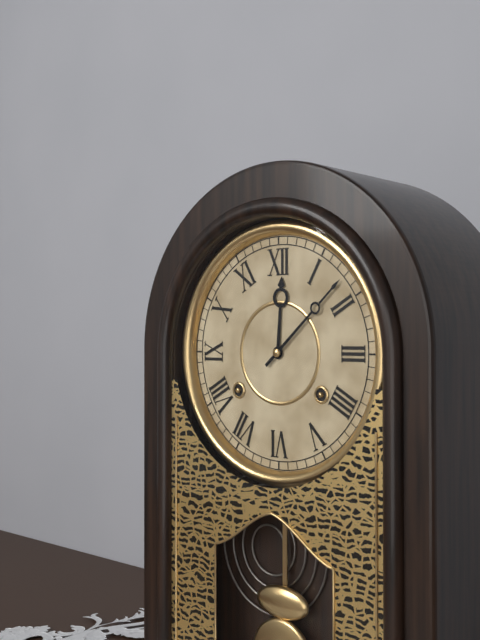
12,08
